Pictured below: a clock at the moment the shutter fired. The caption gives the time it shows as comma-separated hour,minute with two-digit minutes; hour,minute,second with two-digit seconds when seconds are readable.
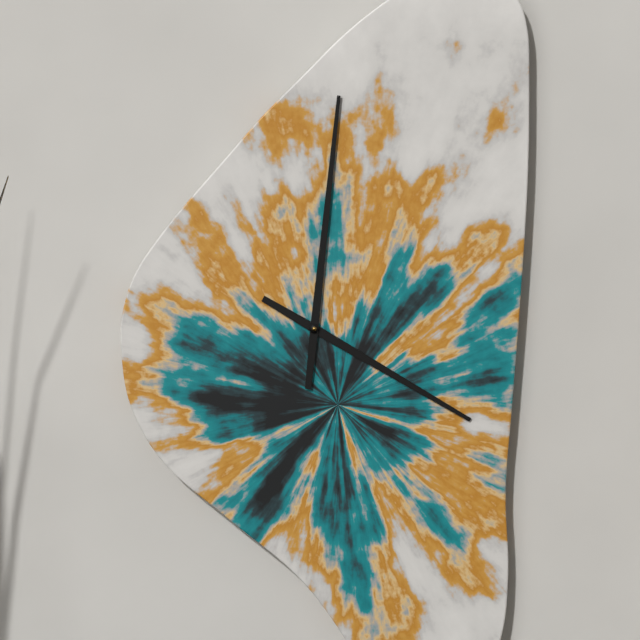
4,01
